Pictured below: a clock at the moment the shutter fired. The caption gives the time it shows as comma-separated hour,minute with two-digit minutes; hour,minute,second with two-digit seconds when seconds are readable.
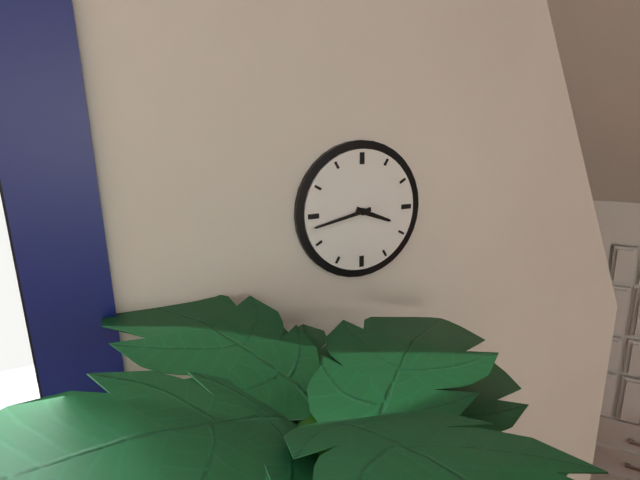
3,43
